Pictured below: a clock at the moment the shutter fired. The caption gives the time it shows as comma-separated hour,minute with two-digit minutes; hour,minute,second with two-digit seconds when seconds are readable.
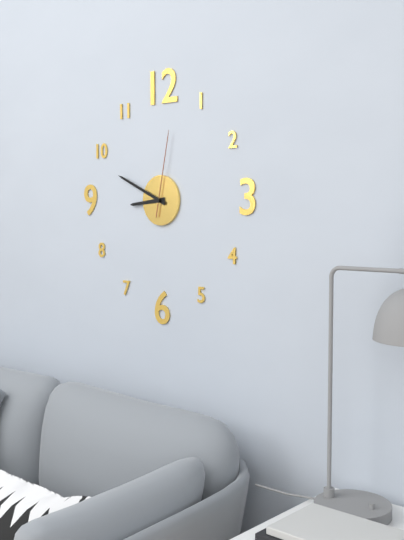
8,49,02
